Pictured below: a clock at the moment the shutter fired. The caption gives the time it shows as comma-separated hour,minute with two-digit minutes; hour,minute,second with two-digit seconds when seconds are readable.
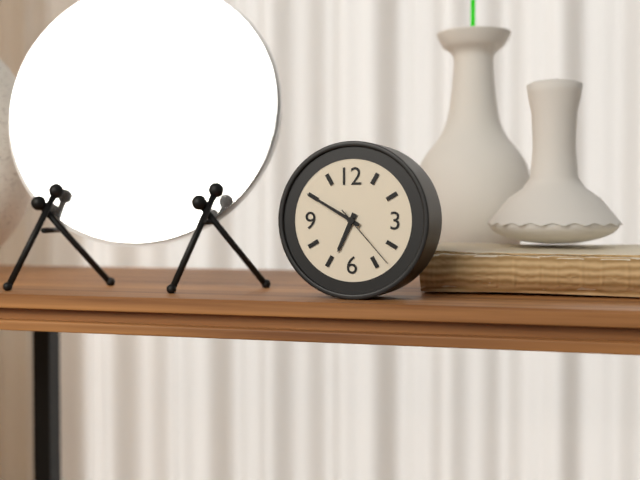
6,50,23
